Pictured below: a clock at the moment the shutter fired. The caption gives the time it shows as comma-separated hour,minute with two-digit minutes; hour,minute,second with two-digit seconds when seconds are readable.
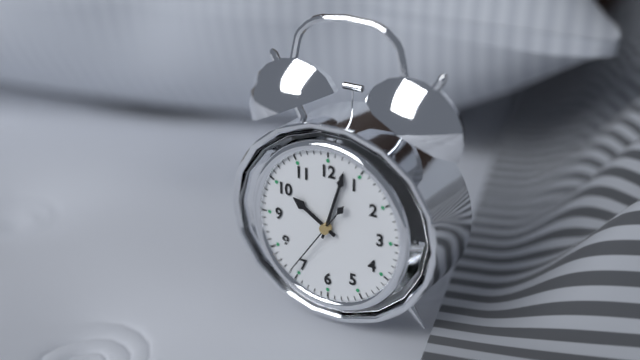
10,03,36
